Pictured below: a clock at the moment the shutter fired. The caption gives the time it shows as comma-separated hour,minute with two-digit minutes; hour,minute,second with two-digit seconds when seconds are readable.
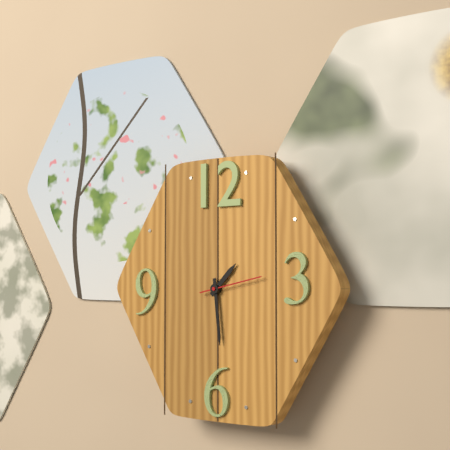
1,29,13
